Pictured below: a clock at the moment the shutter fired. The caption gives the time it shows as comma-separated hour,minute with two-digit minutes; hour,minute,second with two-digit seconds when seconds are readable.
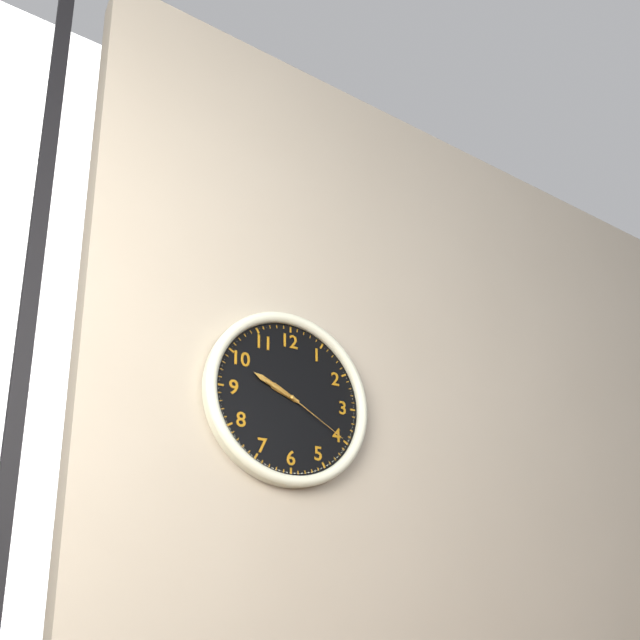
9,49,20
